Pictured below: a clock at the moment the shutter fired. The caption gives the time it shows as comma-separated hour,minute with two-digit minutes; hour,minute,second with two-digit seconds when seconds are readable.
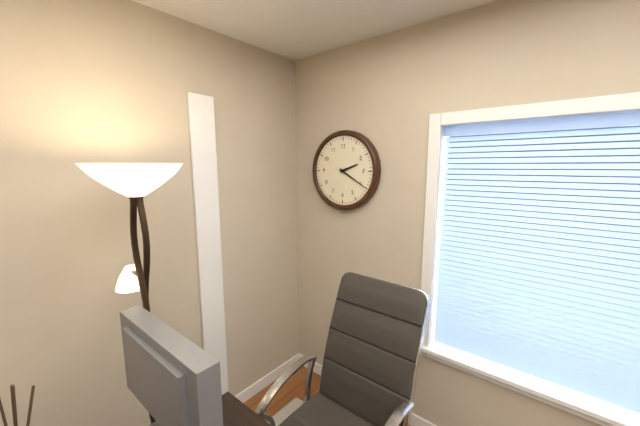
2,20
